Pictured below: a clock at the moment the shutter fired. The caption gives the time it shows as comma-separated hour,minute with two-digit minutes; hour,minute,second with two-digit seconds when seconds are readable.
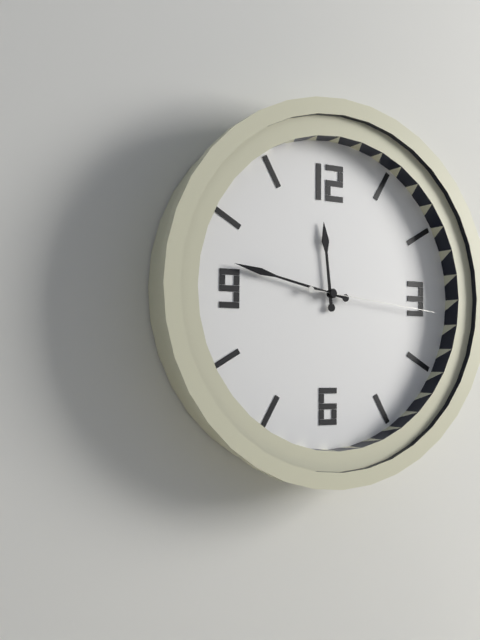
11,47,16
